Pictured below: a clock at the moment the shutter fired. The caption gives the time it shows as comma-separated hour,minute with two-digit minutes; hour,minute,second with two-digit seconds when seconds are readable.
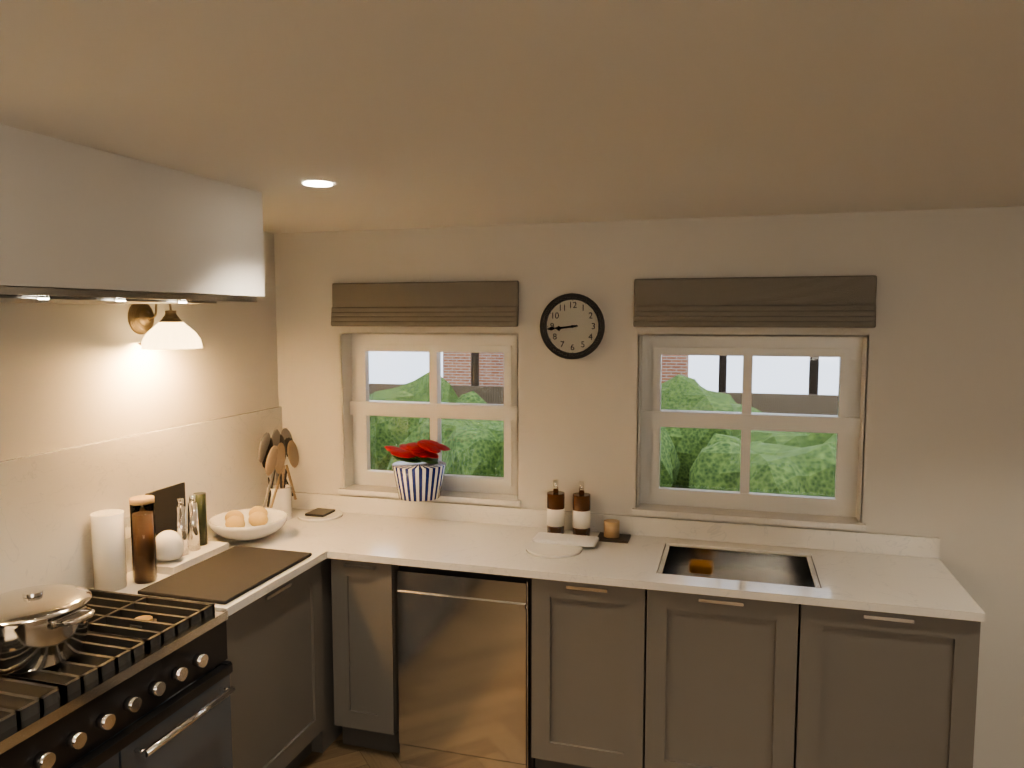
8,44
